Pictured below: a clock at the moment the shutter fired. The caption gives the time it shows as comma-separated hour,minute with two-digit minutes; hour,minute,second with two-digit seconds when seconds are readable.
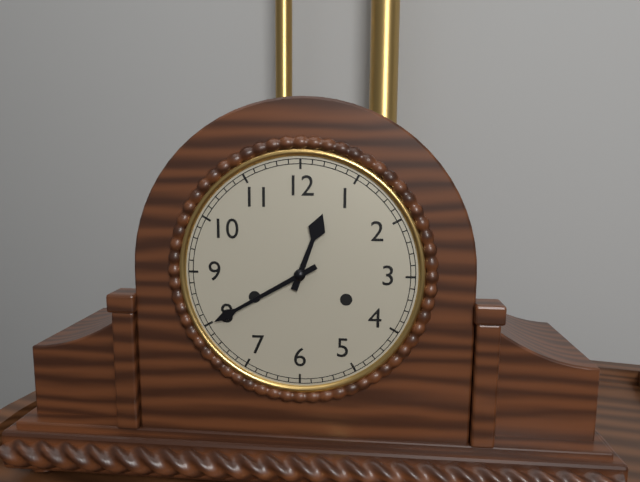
12,40
